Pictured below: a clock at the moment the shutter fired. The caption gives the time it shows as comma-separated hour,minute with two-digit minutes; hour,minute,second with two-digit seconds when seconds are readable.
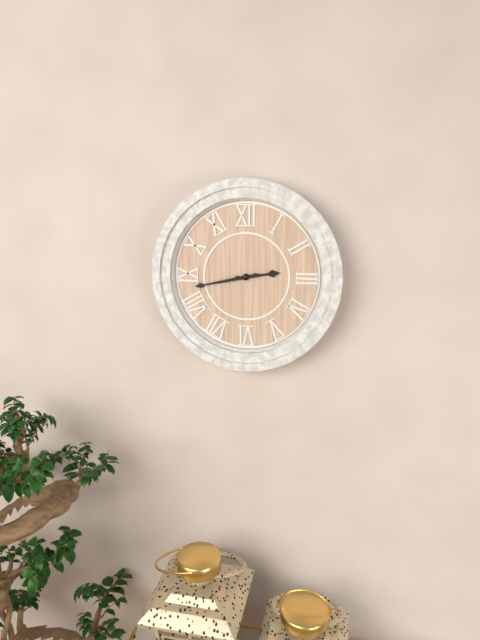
2,43
